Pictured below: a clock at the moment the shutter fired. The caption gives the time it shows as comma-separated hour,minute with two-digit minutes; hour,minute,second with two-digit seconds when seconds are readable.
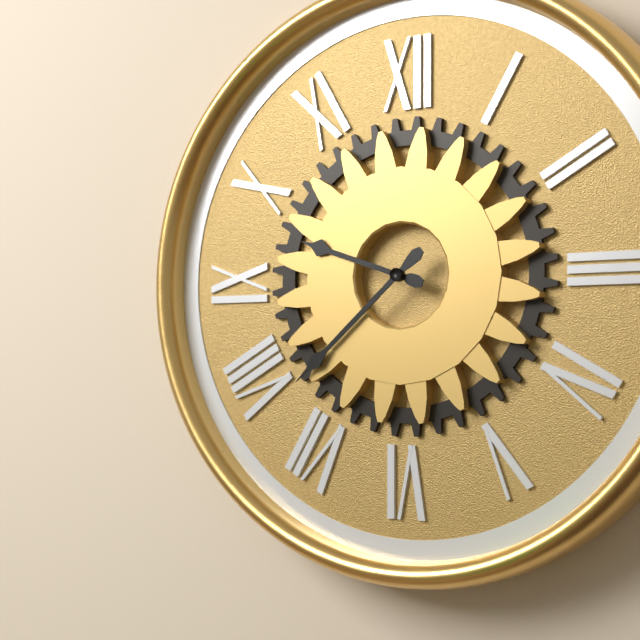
9,38
